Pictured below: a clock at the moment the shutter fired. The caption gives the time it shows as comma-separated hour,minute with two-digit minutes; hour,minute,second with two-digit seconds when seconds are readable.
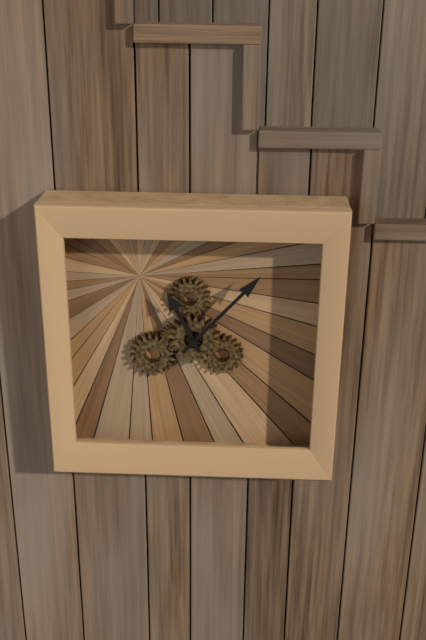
11,07
